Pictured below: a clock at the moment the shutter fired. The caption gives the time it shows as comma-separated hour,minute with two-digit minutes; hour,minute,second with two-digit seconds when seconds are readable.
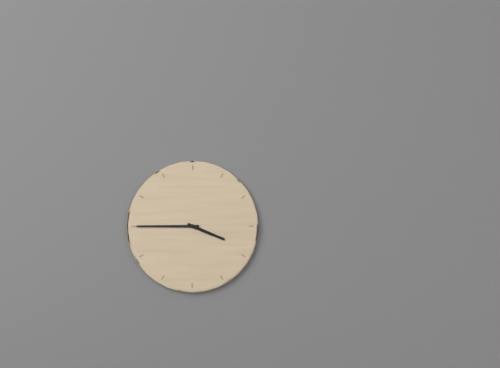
3,45
